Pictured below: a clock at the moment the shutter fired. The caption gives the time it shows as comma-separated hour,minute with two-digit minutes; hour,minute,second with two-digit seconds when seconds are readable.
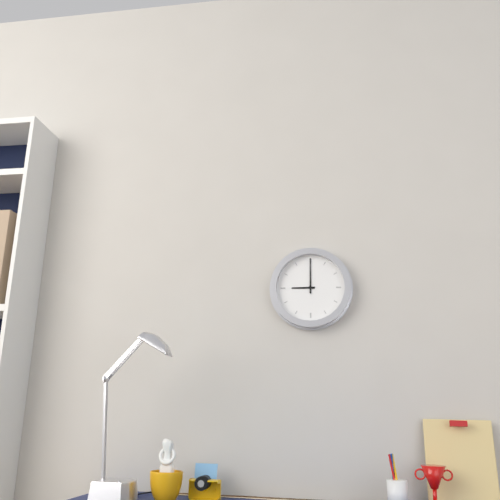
9,00
